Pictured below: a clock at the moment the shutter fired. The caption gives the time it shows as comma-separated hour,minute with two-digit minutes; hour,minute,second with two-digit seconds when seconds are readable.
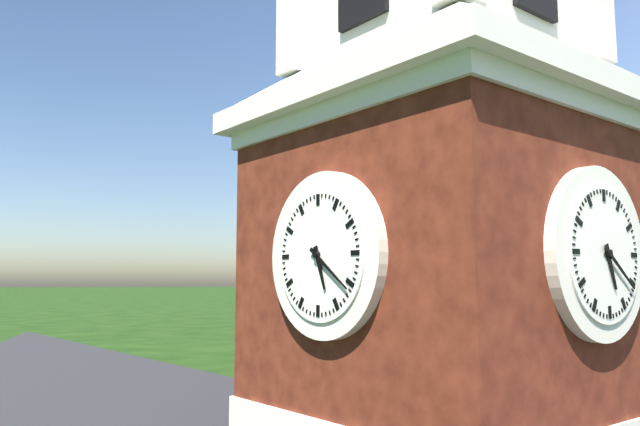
5,21
